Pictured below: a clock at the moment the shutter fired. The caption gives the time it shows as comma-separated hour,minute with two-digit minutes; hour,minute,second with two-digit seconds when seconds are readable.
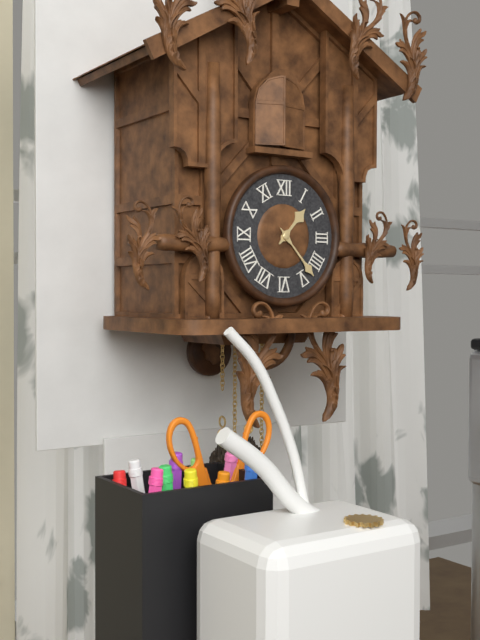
1,23
